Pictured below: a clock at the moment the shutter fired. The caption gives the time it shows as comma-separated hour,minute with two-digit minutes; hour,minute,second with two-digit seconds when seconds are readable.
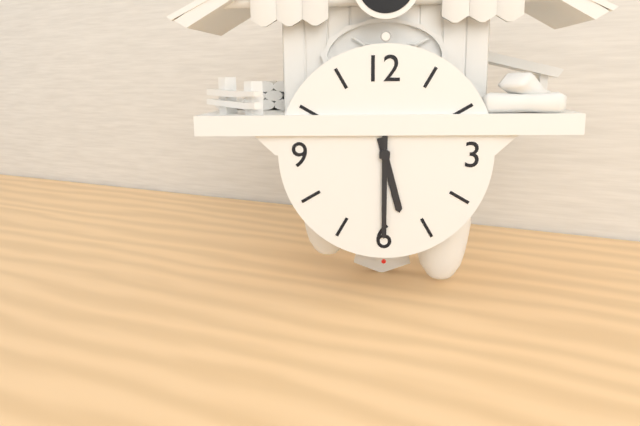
5,30
